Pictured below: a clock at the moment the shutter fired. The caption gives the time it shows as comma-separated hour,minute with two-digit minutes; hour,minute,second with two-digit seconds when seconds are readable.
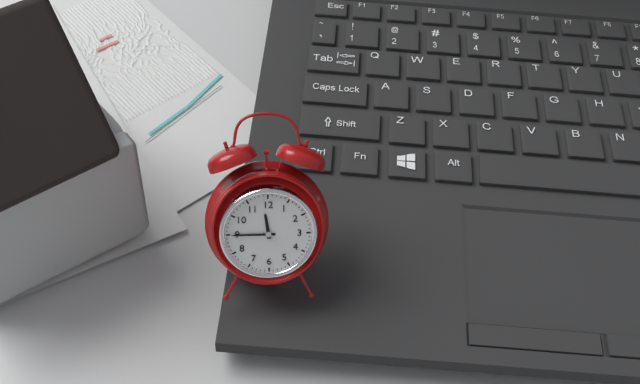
11,45
